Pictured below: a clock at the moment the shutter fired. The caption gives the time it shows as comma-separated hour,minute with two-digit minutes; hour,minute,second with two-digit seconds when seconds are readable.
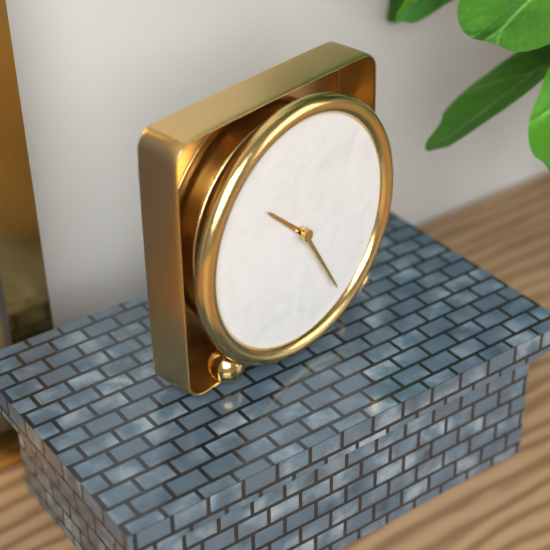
10,25
